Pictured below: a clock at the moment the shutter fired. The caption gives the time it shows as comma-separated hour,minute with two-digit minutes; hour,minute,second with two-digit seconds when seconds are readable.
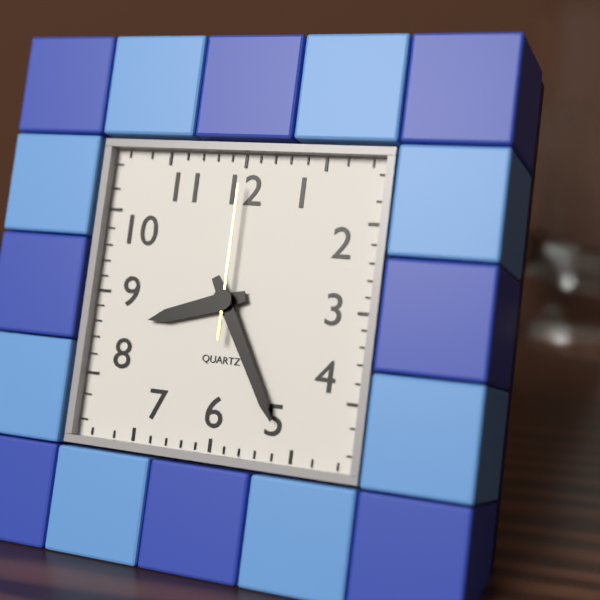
8,25,00
